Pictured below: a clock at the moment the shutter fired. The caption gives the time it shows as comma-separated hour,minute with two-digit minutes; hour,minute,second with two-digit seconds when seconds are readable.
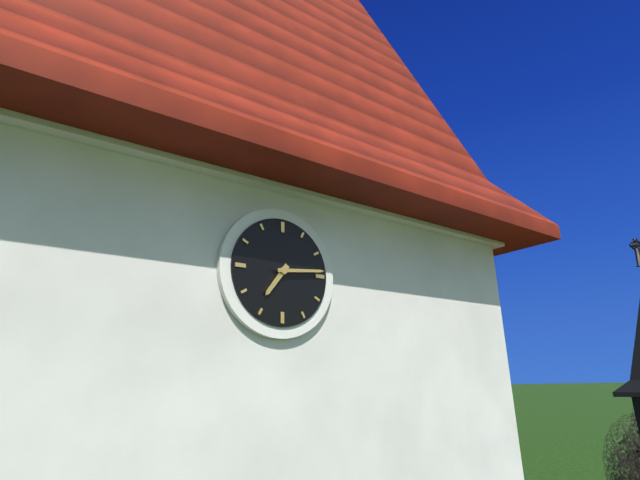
7,14
